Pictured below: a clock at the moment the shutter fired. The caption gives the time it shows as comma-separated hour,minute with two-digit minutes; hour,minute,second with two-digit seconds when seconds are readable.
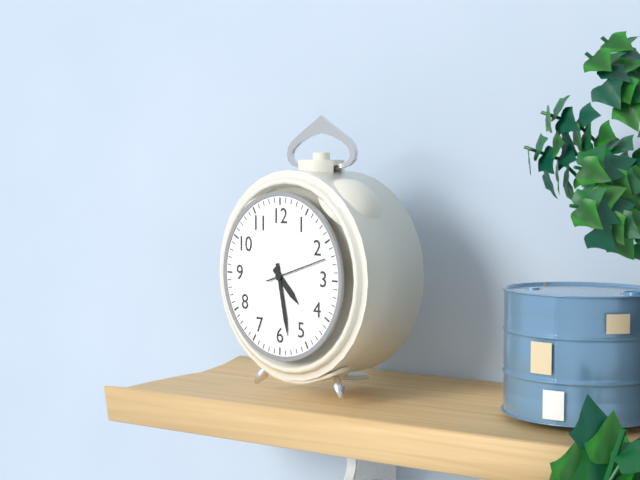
4,28,12
